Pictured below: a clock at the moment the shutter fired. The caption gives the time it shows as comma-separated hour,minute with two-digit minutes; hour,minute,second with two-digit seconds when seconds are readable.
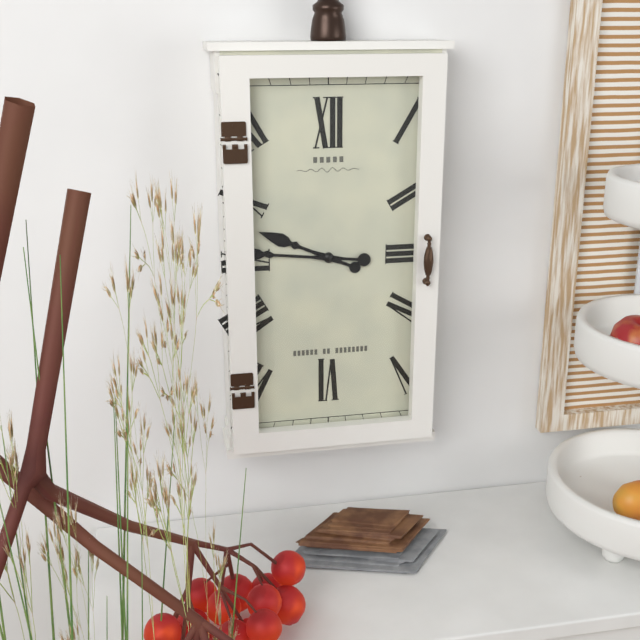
9,46
